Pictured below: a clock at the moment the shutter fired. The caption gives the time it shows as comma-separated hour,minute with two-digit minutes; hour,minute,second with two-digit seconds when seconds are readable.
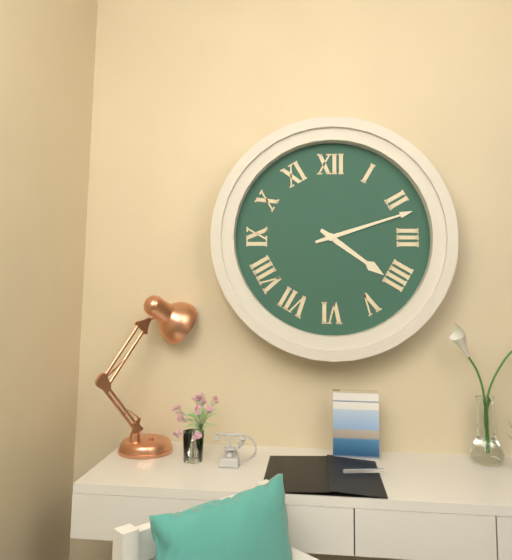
4,12
